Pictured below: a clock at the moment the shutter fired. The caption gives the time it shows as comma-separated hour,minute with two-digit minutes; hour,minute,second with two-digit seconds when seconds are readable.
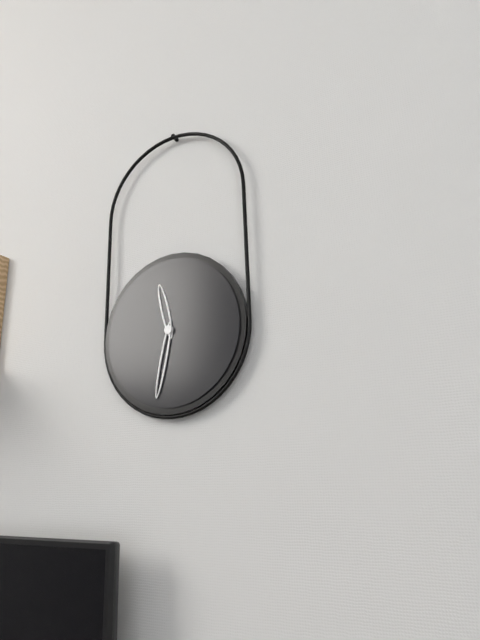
11,32
